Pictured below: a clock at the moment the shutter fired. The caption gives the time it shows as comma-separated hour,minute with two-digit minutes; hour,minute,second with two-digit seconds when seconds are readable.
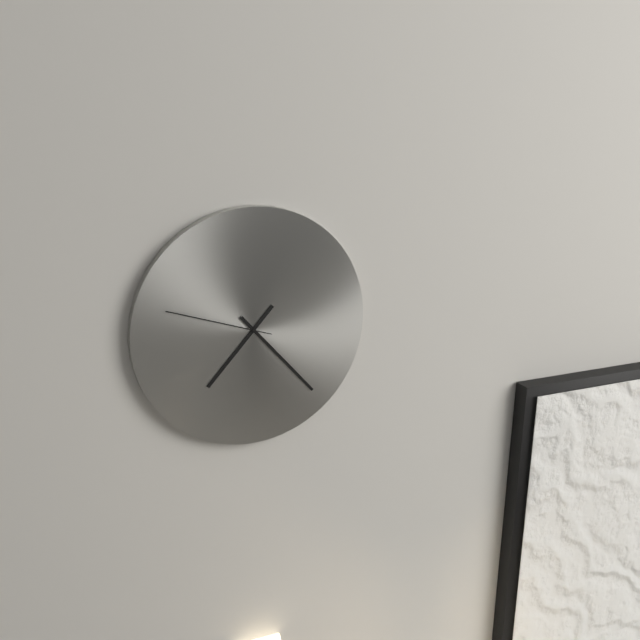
7,23,48
